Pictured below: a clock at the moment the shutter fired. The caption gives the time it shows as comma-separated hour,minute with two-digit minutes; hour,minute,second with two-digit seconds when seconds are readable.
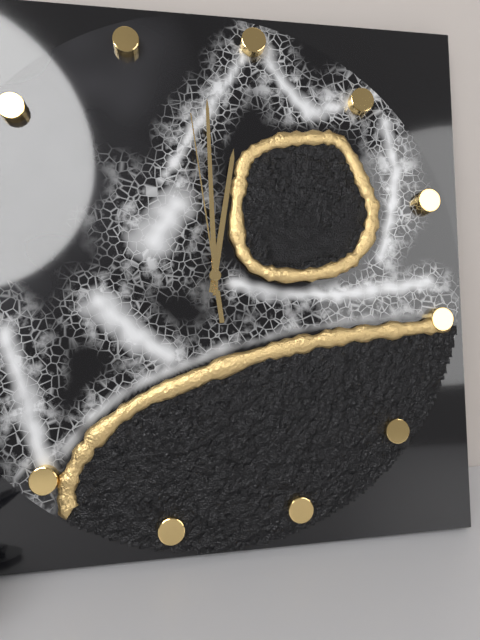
11,58,57
